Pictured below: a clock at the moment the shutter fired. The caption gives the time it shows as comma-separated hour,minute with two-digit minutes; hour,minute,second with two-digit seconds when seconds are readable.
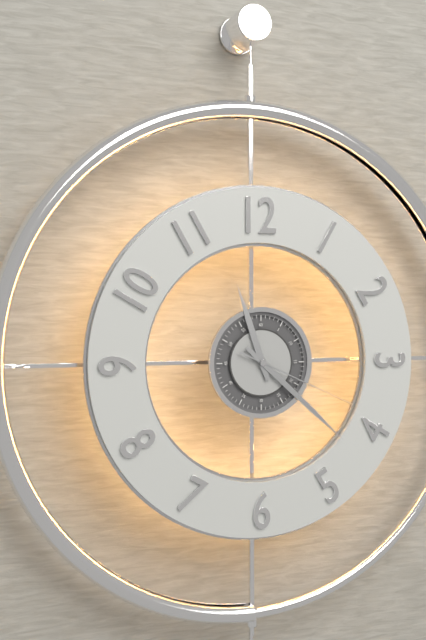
11,22,19
